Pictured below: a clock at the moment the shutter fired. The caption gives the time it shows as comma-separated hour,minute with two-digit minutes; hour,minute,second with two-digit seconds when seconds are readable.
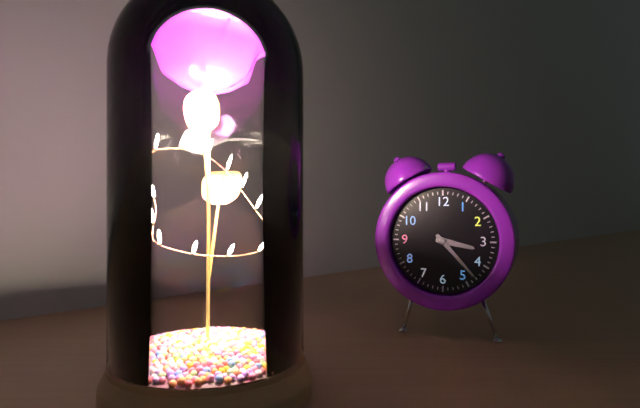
3,23
